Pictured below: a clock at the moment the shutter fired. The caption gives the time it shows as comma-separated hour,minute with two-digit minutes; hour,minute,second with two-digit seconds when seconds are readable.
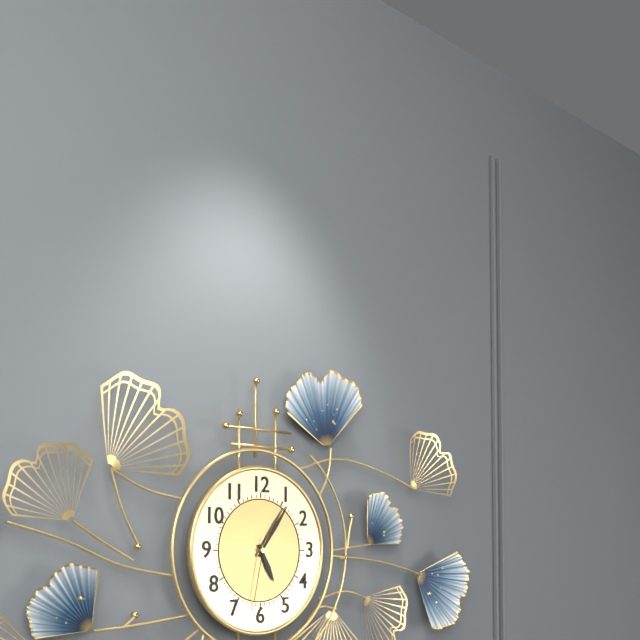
5,06,32
